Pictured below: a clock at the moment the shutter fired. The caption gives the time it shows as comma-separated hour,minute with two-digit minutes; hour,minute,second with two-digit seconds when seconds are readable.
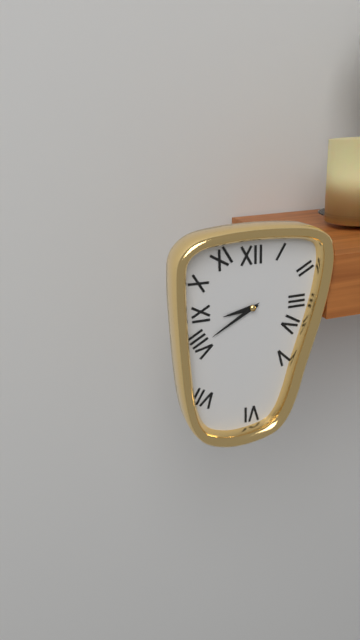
8,40
